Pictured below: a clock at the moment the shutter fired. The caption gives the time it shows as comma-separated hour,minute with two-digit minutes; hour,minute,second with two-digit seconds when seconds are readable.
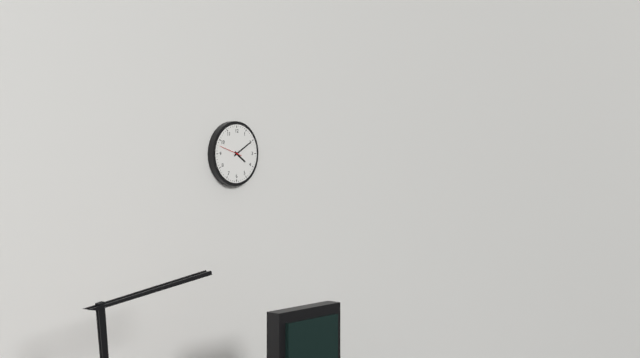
4,10
